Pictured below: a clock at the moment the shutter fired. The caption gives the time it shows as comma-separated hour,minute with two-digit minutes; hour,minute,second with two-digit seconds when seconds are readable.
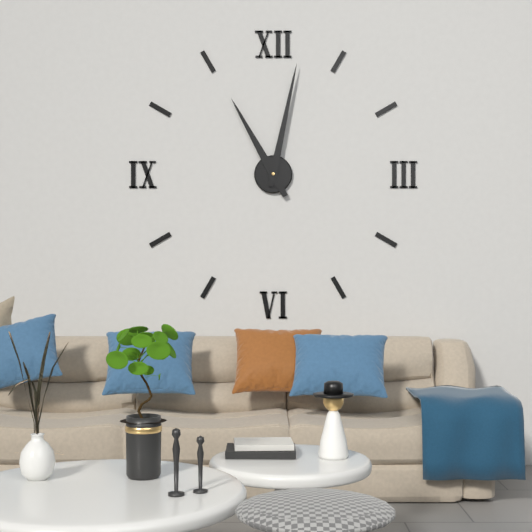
11,02
